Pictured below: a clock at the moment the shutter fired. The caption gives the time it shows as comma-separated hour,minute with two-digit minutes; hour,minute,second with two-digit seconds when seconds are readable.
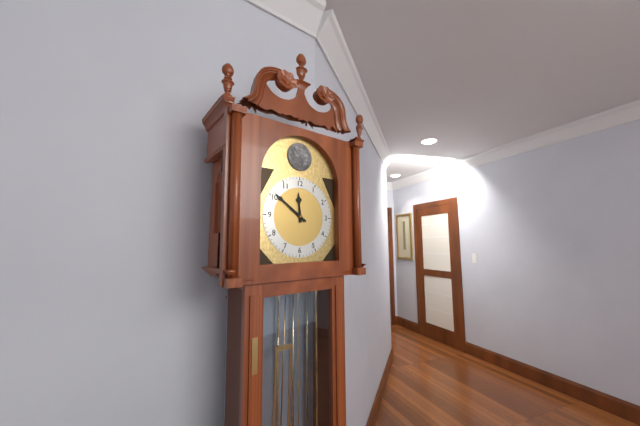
11,51
